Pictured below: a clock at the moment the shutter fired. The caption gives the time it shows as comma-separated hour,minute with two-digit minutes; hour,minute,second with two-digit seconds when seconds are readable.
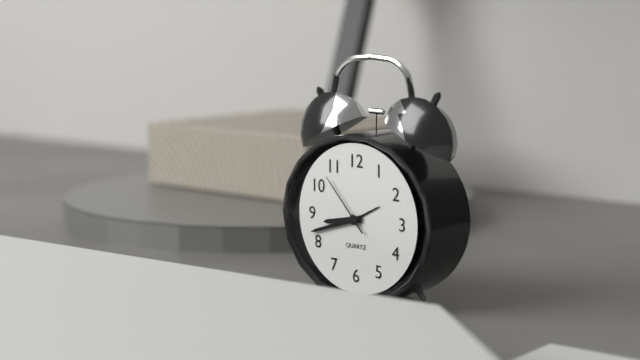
8,42,53
